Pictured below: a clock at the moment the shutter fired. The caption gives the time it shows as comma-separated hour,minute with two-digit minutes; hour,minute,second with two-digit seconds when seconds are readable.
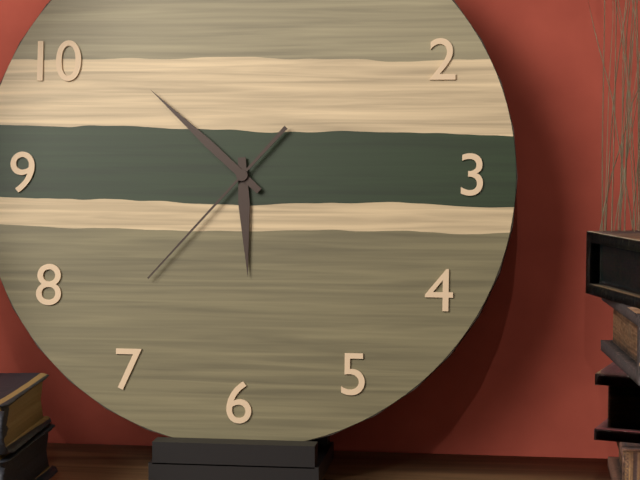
5,52,37
